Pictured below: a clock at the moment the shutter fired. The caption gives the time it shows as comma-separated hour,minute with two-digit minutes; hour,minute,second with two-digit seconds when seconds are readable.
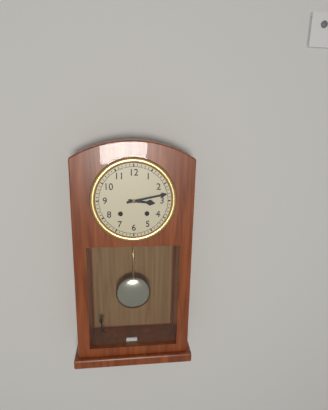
3,13
